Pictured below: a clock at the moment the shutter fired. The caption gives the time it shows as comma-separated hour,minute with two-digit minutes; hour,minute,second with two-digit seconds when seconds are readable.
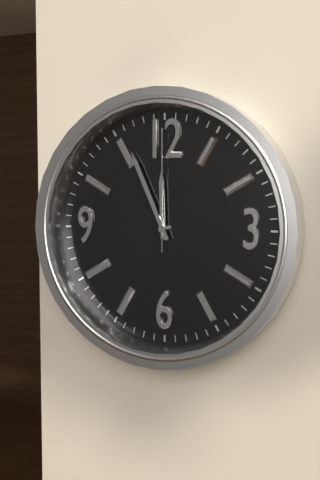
11,56,00
